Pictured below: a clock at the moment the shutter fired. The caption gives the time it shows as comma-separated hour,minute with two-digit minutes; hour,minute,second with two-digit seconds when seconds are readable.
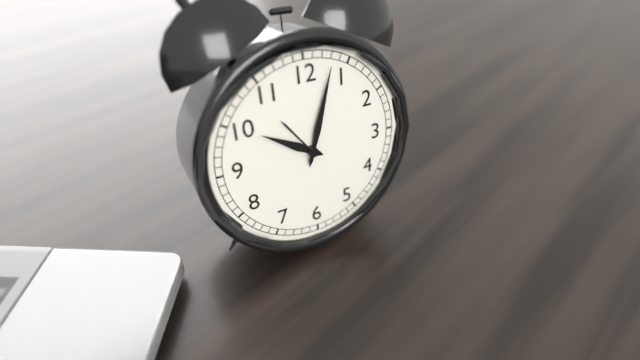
10,03
